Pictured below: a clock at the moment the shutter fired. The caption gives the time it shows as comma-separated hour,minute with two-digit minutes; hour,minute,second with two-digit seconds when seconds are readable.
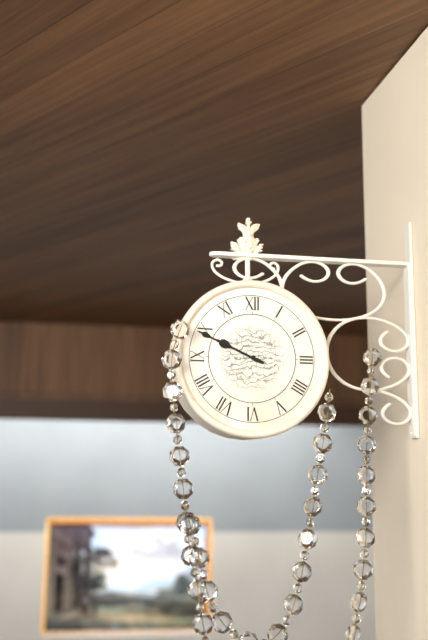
9,49
